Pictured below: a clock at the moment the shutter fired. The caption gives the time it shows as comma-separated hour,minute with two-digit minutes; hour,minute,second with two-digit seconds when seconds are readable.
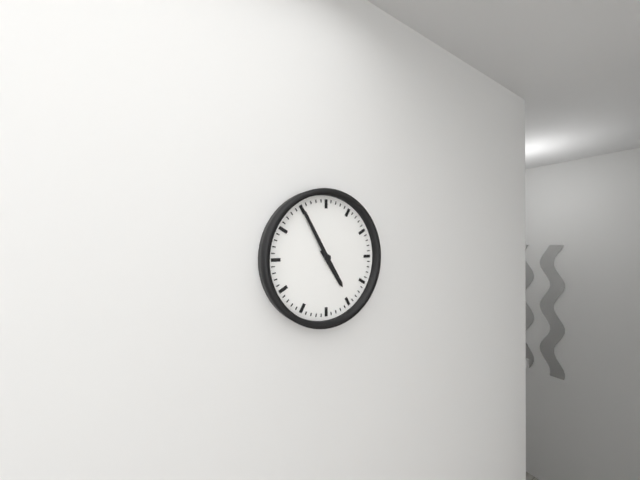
4,55
